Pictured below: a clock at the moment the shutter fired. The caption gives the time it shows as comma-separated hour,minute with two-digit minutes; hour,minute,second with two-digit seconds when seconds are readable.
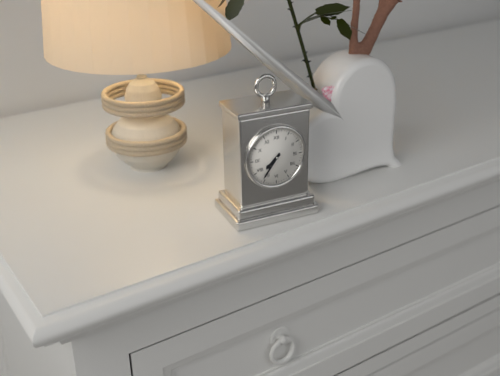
7,36
